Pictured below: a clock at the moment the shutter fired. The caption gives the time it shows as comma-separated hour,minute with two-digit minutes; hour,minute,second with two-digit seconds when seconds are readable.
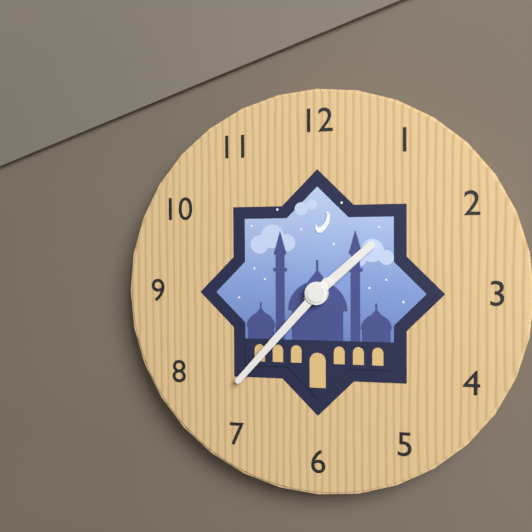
1,37
